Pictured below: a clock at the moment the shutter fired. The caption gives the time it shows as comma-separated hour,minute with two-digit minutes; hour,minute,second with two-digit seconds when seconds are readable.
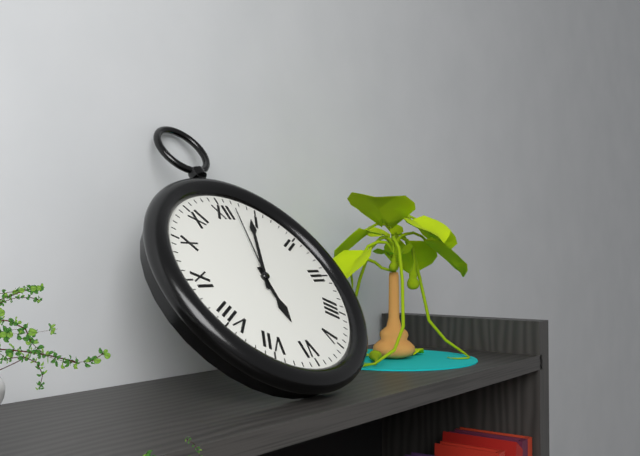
6,04,02
